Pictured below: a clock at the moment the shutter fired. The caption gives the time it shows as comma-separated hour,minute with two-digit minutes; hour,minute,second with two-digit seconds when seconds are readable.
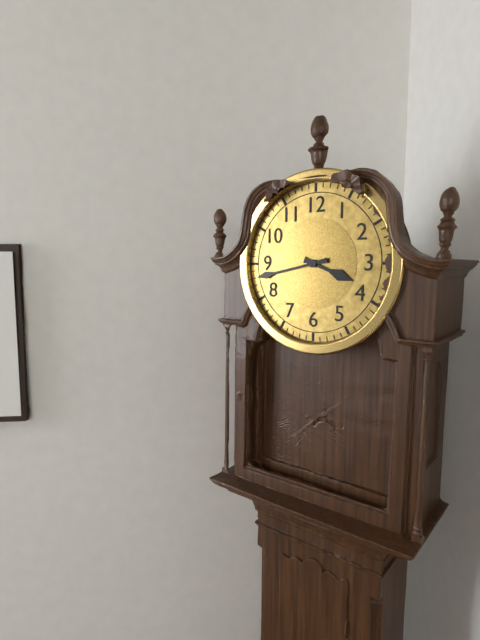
3,43
